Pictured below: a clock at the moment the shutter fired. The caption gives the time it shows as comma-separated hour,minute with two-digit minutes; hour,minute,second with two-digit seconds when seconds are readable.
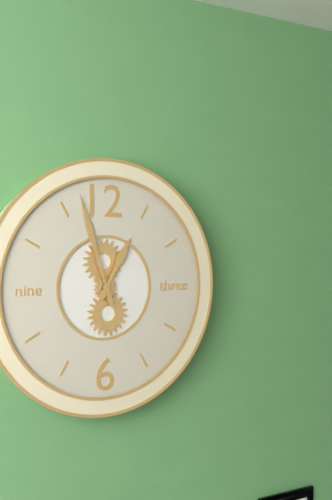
12,57
